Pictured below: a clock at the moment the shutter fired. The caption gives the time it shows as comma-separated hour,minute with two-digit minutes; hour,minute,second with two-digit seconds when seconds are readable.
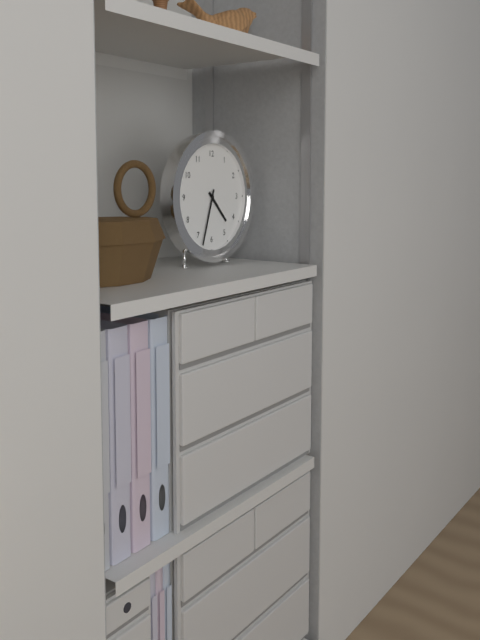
4,33
